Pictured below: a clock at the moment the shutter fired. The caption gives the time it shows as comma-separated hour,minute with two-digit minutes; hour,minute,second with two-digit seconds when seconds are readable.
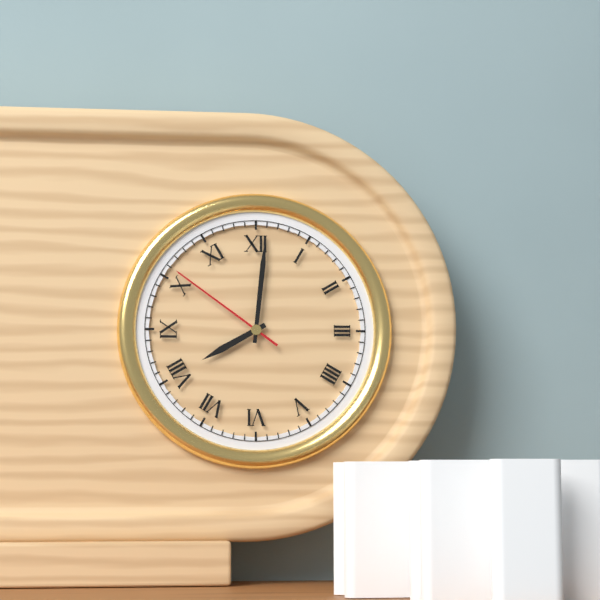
8,01,51
